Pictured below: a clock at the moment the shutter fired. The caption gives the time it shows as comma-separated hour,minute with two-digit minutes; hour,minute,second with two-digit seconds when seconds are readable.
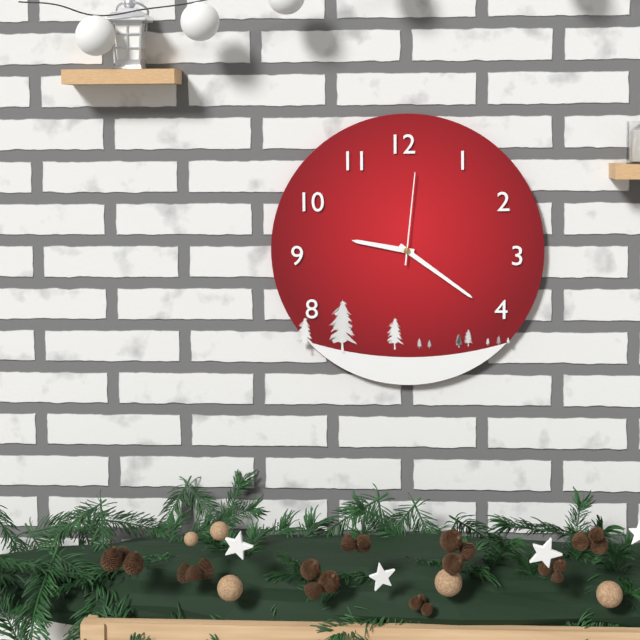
9,21,01
